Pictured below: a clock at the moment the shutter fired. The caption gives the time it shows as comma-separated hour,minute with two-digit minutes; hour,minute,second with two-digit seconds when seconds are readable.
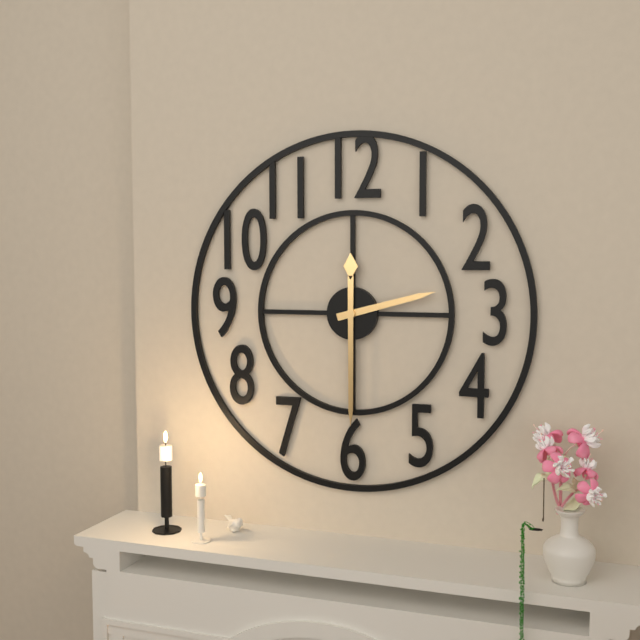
2,30
